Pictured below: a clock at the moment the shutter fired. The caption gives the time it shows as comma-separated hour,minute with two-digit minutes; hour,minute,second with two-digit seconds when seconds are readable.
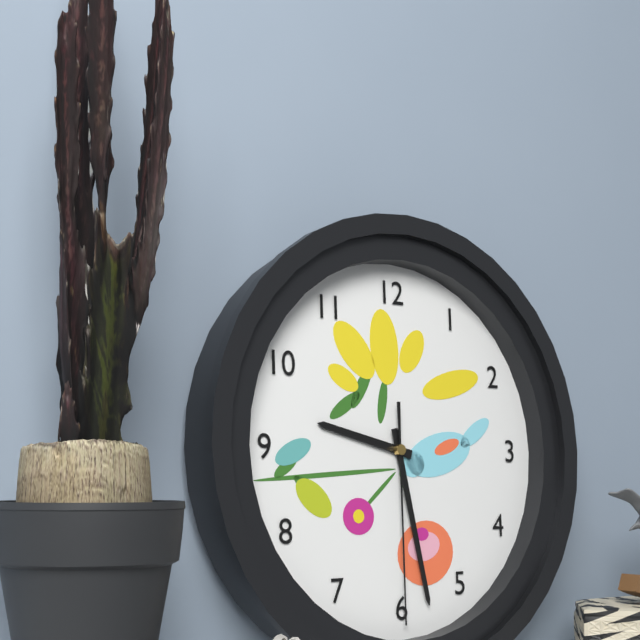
9,28,30
